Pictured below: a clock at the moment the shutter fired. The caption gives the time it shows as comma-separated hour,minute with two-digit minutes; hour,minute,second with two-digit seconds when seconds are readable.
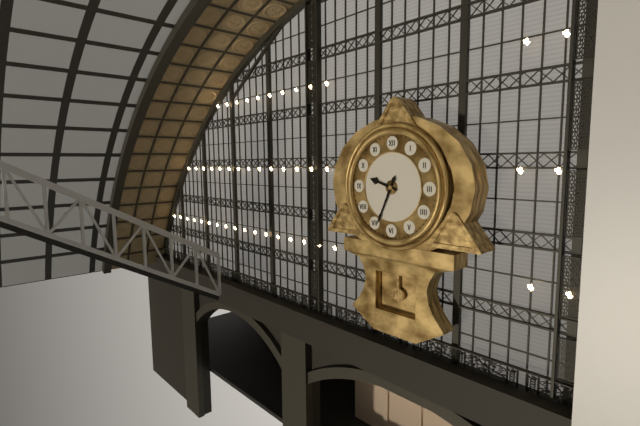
9,34
